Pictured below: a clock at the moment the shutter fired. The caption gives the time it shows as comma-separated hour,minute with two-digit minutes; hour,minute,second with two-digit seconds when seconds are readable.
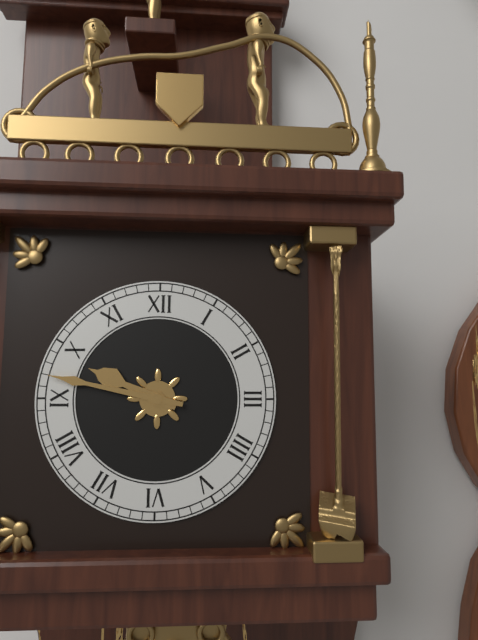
9,47
